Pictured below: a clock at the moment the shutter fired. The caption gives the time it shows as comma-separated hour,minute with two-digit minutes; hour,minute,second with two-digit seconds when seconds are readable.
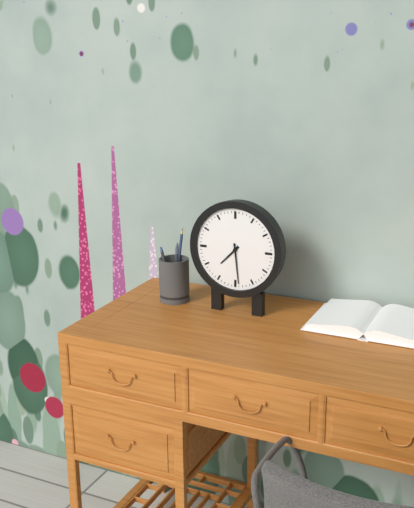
7,29
